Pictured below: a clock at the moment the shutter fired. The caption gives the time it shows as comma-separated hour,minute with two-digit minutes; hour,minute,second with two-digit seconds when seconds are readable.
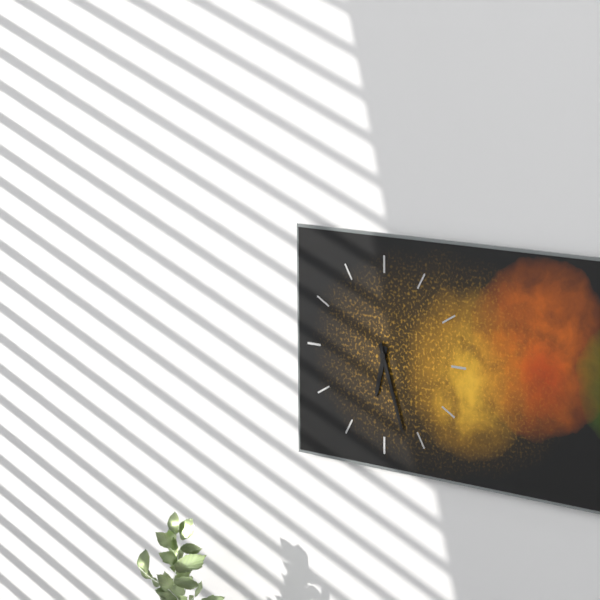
6,27
